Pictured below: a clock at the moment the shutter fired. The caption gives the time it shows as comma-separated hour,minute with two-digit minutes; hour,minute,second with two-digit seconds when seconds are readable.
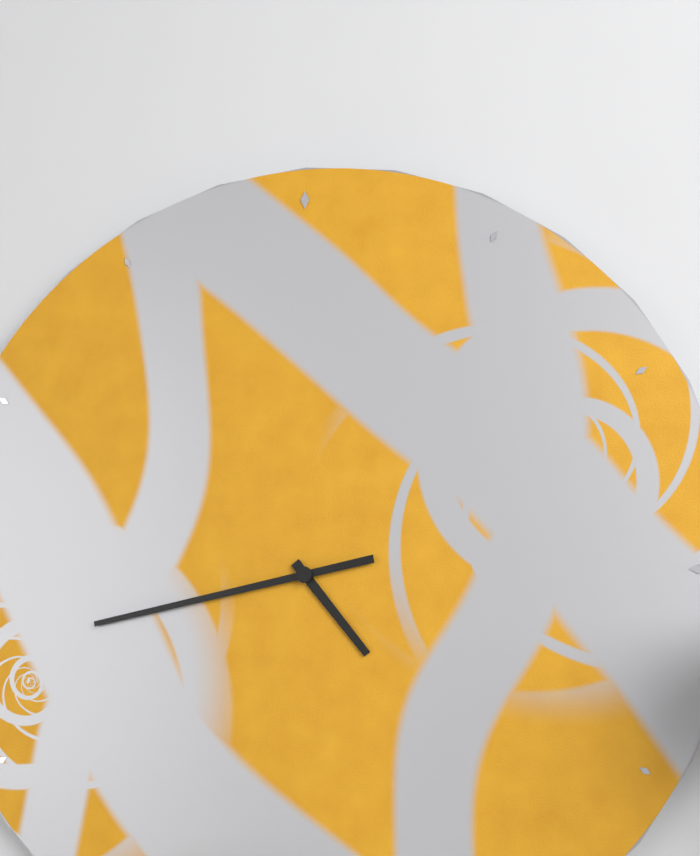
4,43
